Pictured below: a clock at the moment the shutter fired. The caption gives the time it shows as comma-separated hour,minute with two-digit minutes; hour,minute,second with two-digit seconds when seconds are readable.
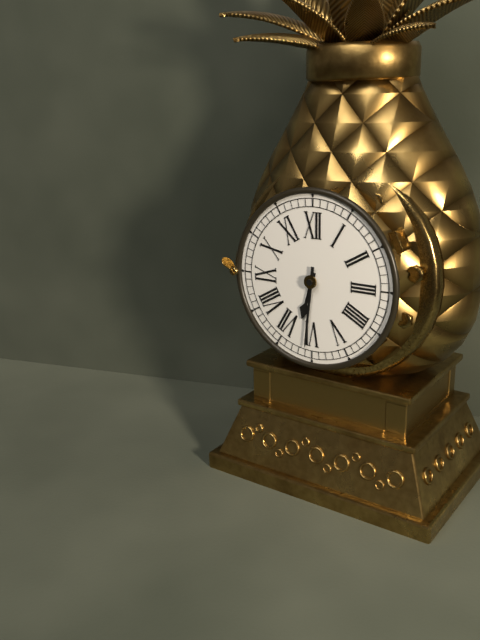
6,31
